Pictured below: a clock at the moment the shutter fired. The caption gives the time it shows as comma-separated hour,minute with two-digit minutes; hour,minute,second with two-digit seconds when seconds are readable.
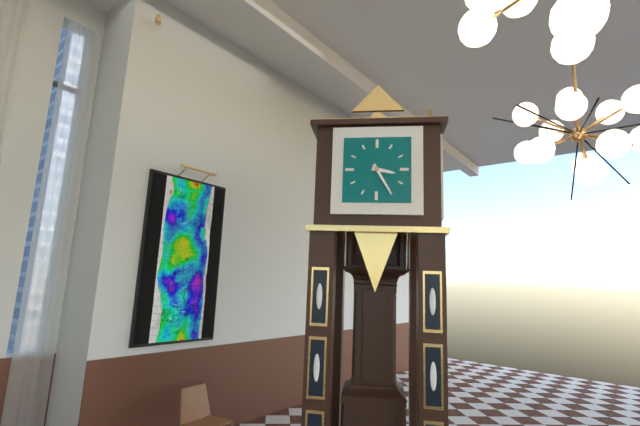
3,25
